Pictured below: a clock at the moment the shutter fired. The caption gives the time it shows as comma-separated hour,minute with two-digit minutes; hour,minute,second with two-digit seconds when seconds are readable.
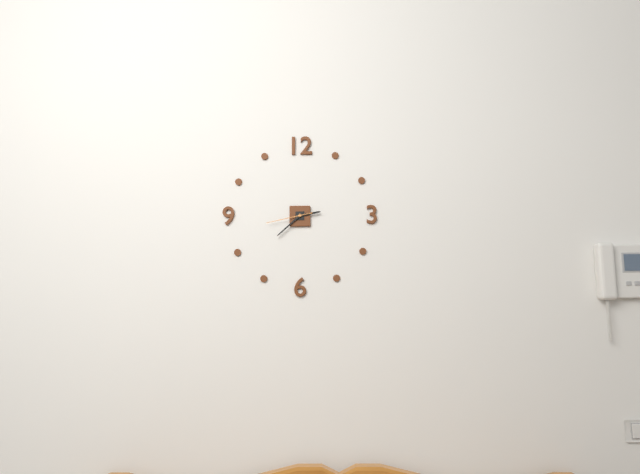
2,38
